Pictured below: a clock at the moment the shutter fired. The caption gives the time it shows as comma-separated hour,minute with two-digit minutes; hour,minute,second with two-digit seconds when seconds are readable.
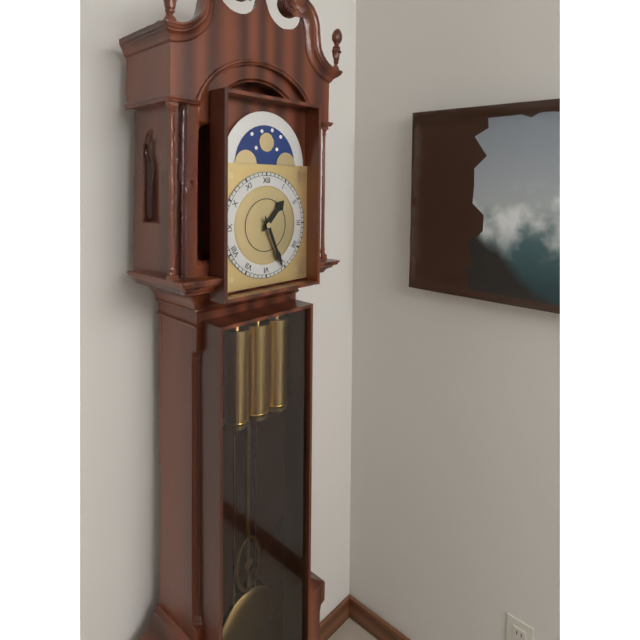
1,26
